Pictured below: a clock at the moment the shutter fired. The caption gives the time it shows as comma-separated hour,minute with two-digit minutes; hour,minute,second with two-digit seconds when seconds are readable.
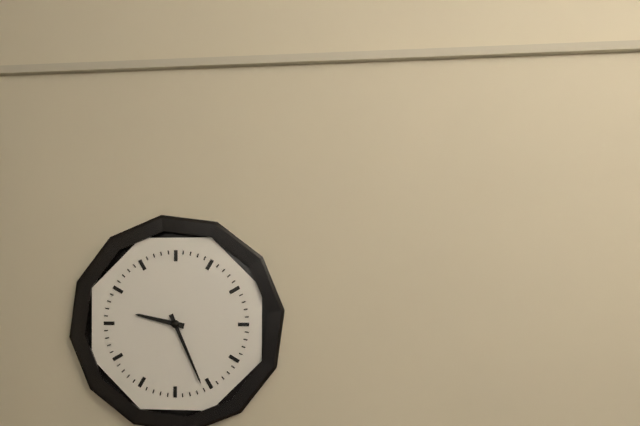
9,26
